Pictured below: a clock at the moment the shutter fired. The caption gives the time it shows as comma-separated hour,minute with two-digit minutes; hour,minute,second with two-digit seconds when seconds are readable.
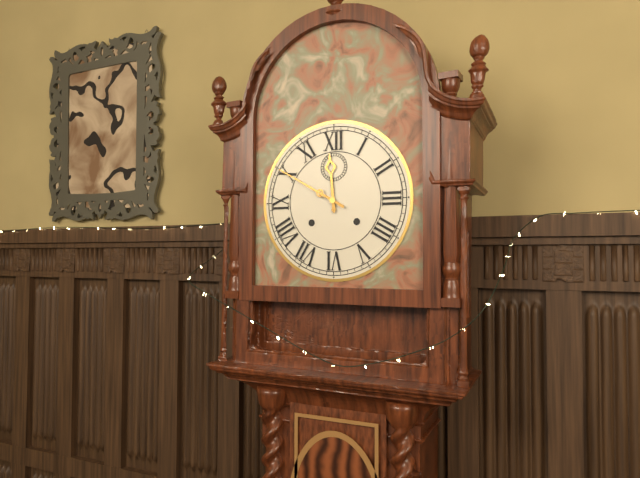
11,50
